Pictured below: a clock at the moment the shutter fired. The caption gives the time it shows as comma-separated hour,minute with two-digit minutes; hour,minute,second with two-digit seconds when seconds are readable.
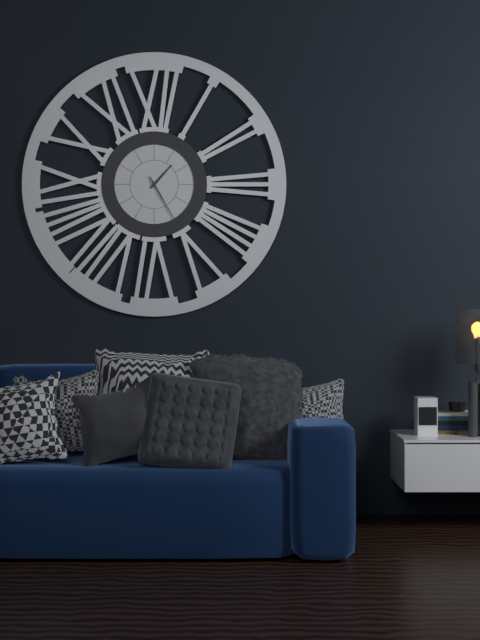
1,25
